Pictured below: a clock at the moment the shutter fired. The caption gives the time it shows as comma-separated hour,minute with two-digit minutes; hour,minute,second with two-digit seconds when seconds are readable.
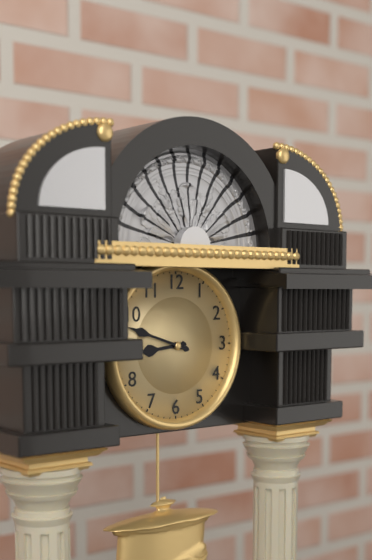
8,48
